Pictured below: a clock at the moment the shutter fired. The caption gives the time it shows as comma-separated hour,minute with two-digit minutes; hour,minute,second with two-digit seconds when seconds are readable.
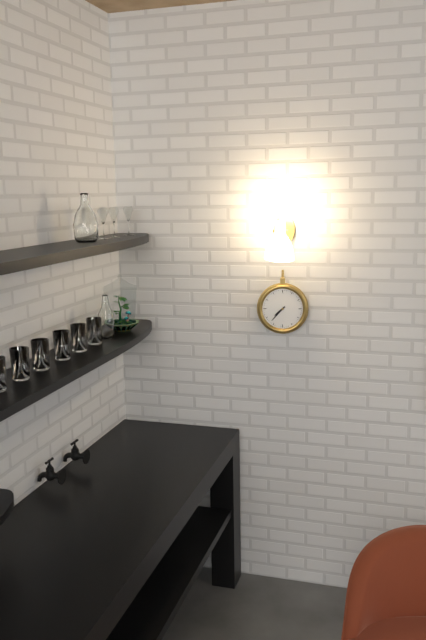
7,37
